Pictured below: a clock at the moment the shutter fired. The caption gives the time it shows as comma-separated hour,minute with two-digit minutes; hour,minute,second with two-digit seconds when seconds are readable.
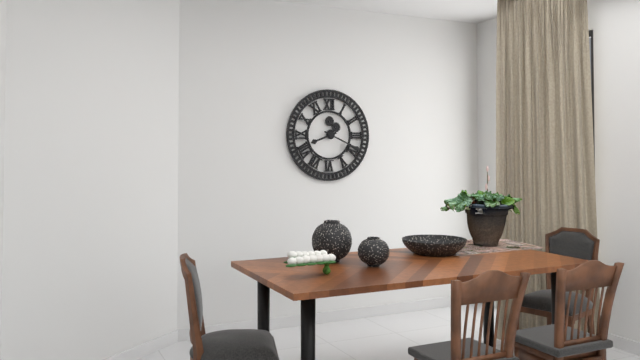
8,19
